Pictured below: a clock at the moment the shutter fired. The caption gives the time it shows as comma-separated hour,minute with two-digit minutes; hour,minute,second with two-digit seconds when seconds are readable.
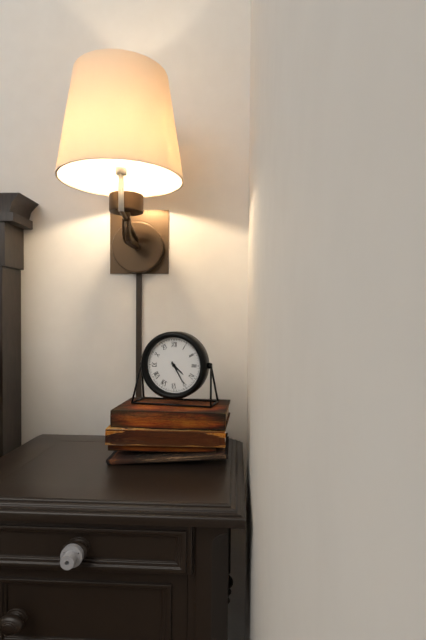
4,25
